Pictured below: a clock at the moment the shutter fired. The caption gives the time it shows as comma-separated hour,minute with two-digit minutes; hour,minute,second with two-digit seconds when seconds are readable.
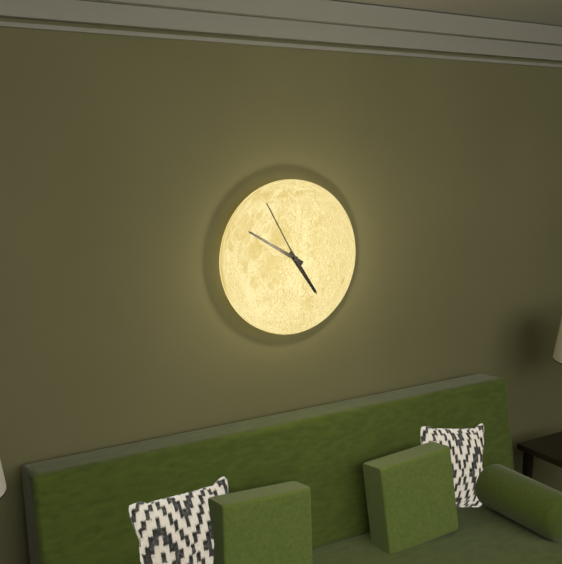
4,50,55
